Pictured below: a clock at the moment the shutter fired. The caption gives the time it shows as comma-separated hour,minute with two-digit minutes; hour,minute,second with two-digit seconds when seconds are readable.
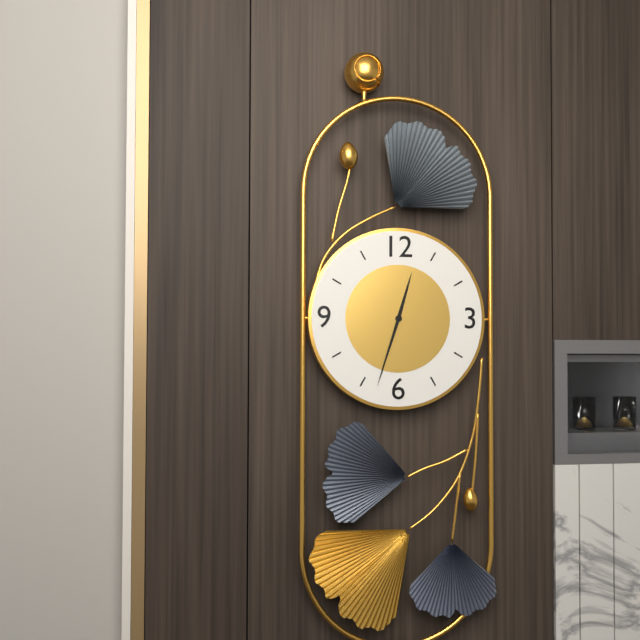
12,33
